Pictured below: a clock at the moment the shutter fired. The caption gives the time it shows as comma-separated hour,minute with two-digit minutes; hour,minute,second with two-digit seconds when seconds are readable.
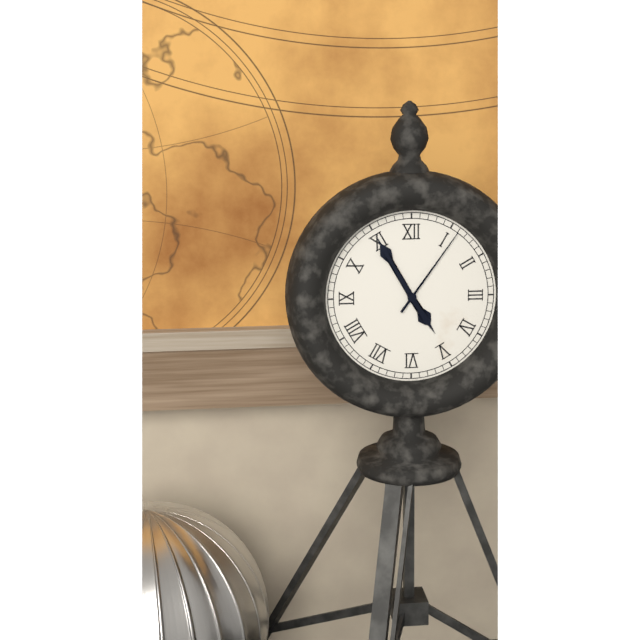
4,55,06
